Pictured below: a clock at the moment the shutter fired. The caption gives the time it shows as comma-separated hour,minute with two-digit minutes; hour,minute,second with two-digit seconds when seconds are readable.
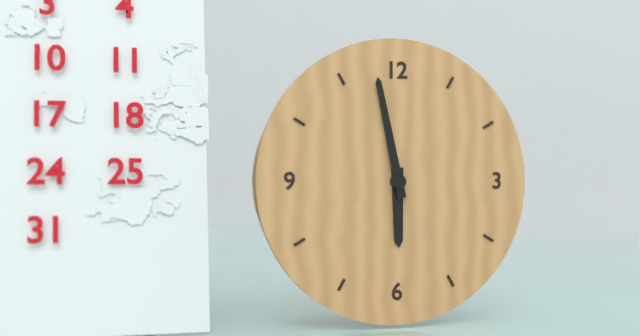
5,58
